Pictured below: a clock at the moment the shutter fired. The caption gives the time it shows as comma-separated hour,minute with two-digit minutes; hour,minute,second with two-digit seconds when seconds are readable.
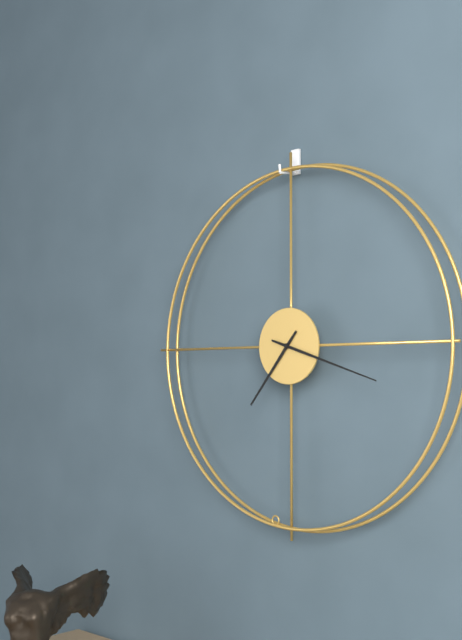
7,18
